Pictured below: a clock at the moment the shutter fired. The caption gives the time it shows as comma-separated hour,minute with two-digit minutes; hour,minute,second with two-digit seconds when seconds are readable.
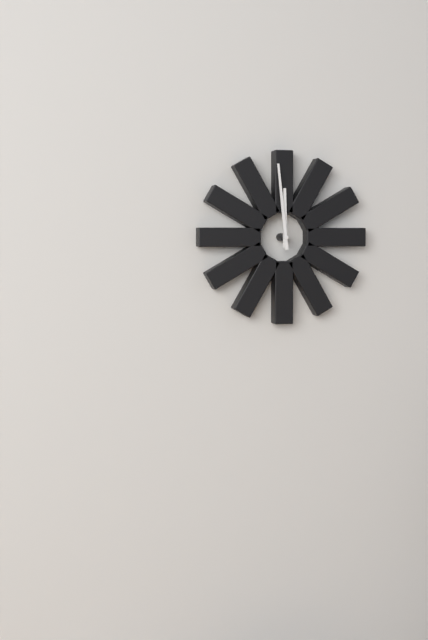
11,59
